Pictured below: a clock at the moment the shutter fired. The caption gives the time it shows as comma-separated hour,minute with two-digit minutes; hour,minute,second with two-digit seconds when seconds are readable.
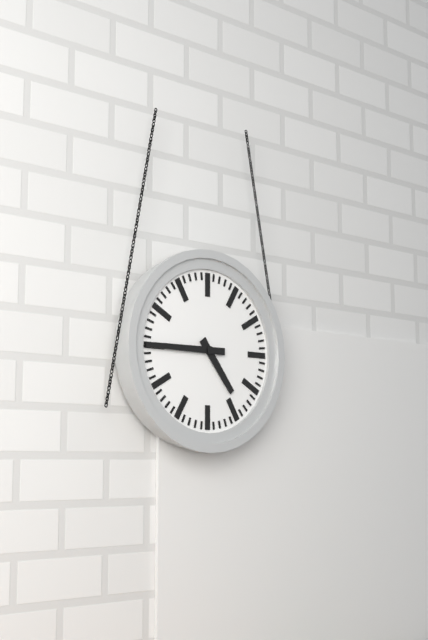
4,45
